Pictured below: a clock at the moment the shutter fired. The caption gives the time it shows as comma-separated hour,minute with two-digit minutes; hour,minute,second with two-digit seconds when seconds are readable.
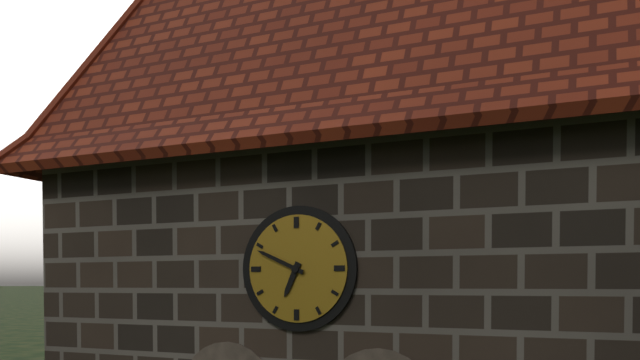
6,49
